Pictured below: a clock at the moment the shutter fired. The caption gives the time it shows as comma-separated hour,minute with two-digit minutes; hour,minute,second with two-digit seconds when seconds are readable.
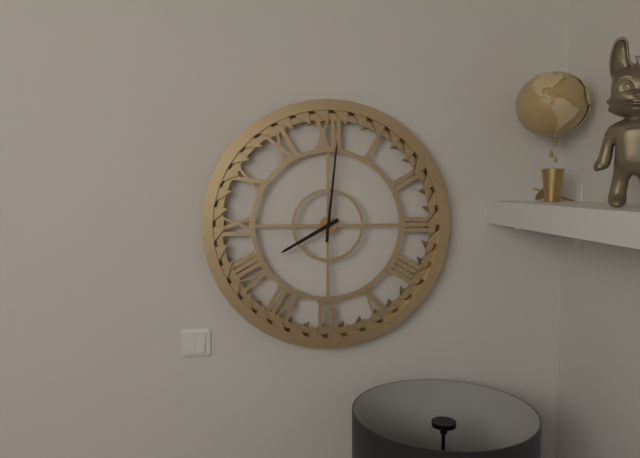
8,01
